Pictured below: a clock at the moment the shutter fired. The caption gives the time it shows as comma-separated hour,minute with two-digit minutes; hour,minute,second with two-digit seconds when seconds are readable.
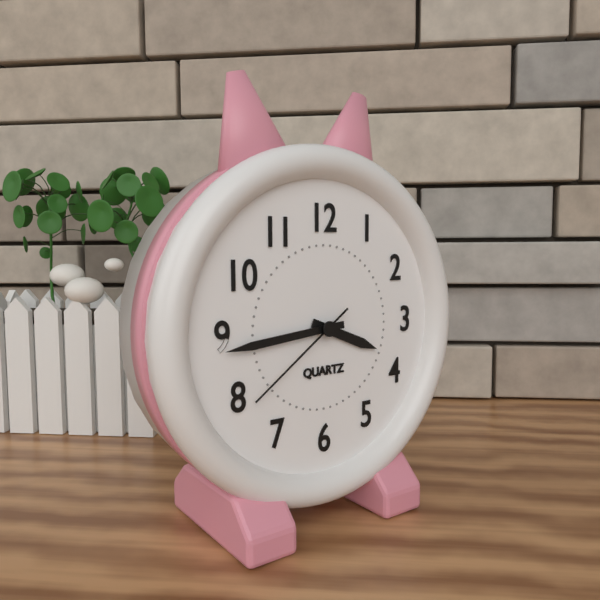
3,44,39
